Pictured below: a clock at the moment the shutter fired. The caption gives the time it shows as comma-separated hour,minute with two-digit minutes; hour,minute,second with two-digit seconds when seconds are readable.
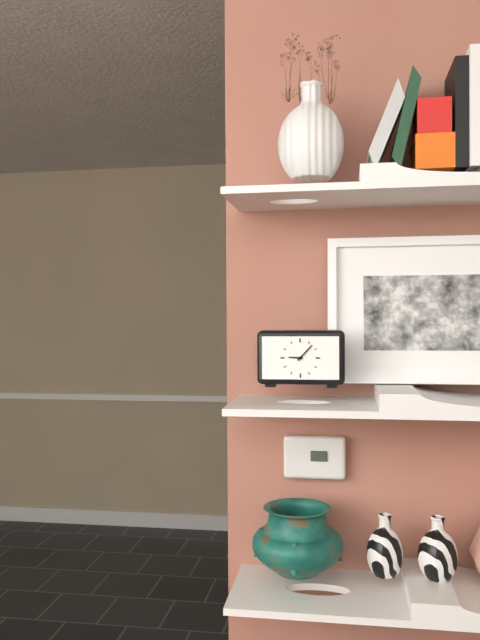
9,07
